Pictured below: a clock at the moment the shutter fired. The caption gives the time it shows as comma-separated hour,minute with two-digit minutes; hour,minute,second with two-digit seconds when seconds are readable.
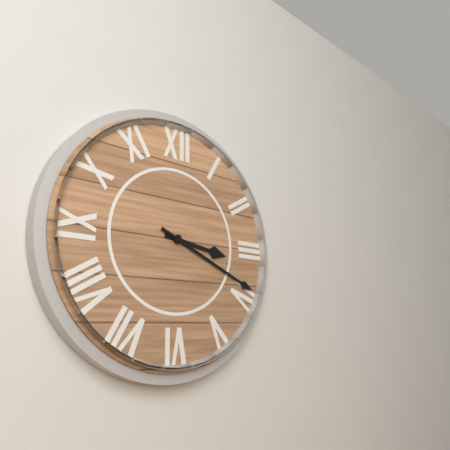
3,19
